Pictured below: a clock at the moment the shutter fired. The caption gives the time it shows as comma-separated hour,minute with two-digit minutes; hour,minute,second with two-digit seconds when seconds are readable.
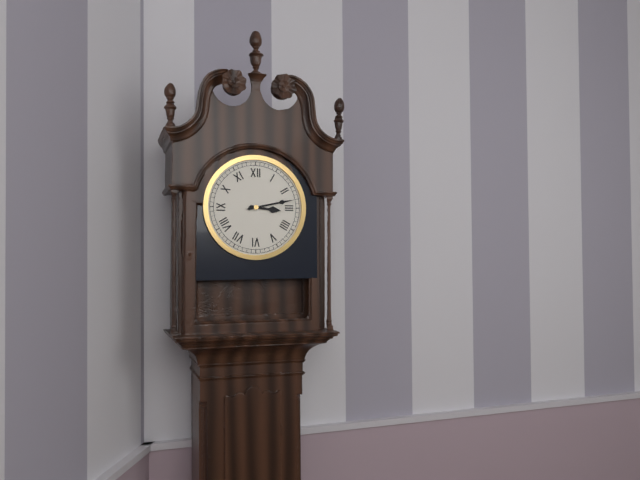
3,13
